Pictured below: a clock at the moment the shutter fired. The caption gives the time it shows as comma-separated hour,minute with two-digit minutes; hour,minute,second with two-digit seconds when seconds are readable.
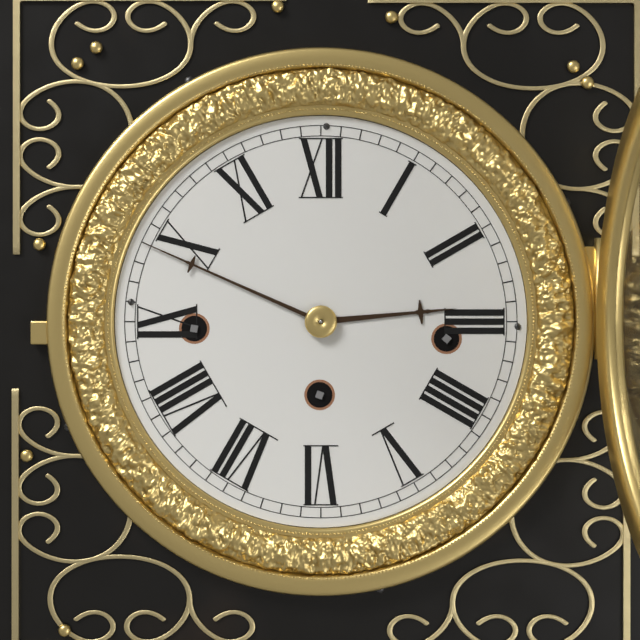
2,49
